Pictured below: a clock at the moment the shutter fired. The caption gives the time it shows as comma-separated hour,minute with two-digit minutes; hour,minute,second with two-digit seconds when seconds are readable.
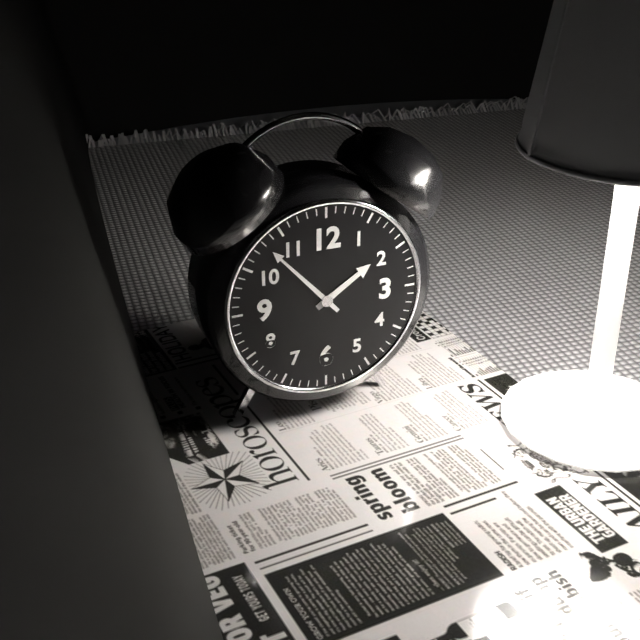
1,53
